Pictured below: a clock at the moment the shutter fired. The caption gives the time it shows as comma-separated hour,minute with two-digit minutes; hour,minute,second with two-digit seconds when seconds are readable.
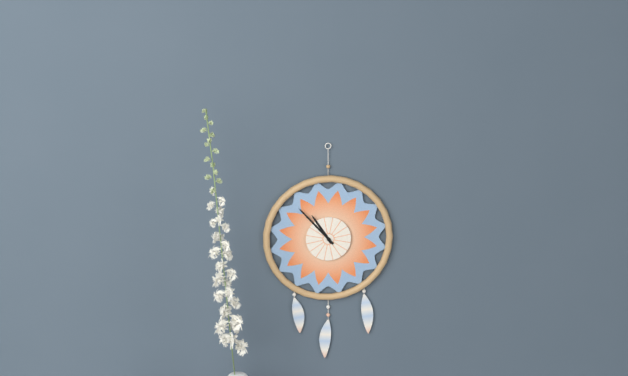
10,53
